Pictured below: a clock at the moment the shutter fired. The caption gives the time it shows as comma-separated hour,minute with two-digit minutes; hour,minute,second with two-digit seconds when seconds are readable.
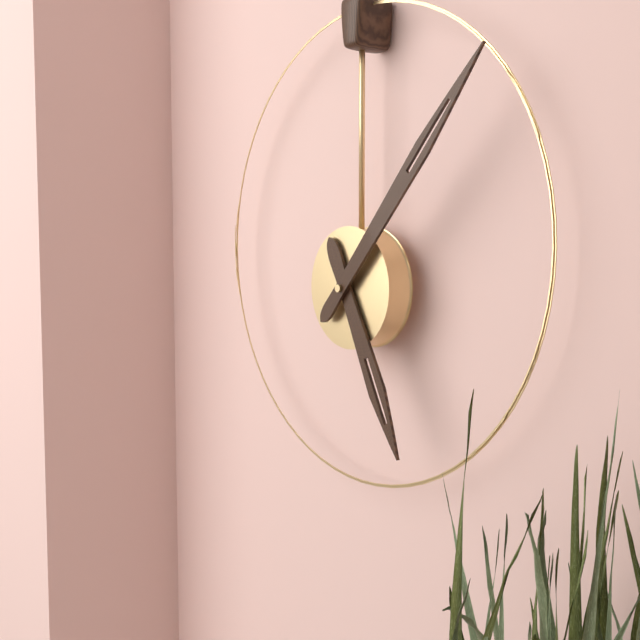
5,07
